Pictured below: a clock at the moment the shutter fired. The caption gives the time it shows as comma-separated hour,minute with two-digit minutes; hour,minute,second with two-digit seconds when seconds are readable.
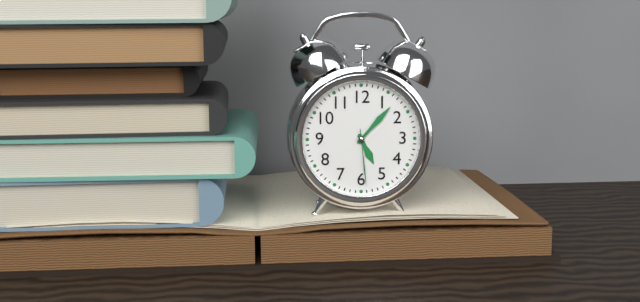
5,07,29
